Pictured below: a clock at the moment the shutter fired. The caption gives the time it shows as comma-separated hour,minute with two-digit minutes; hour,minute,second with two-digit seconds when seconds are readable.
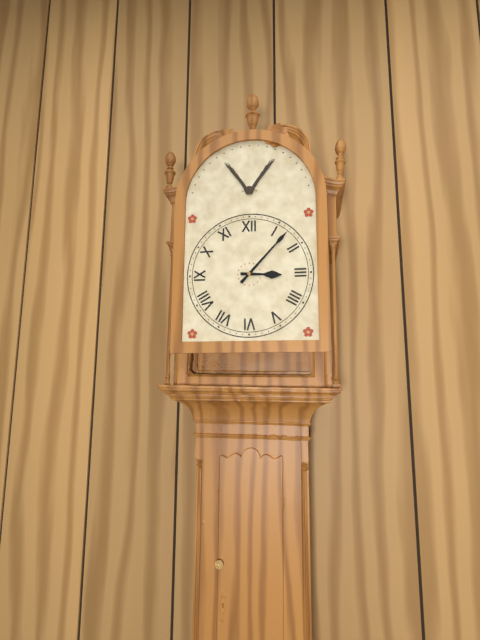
3,07
